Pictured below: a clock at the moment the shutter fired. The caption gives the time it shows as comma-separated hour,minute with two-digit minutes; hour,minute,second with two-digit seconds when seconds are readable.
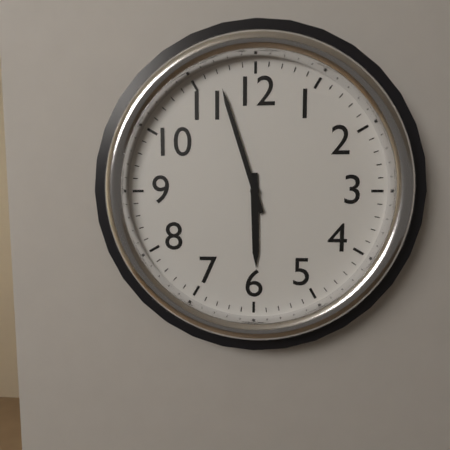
5,57
